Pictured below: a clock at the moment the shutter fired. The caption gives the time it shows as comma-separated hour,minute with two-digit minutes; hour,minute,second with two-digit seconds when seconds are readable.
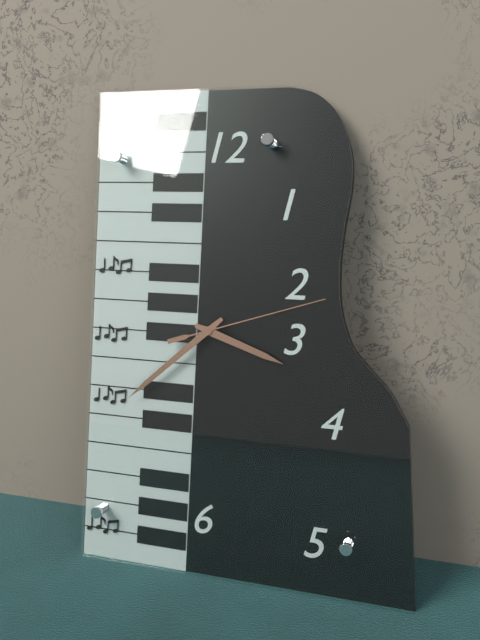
3,38,12
